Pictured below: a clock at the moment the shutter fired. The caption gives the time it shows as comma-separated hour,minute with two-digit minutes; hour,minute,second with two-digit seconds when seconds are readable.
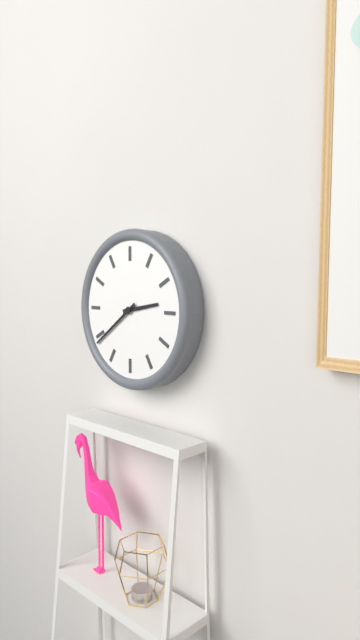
2,39
